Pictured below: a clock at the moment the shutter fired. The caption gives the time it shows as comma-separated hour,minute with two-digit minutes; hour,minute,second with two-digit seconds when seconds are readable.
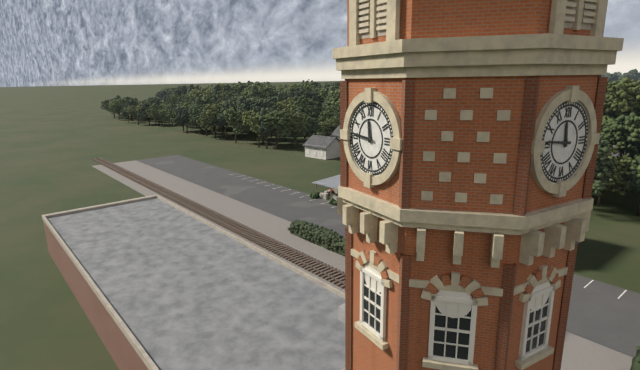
11,46
